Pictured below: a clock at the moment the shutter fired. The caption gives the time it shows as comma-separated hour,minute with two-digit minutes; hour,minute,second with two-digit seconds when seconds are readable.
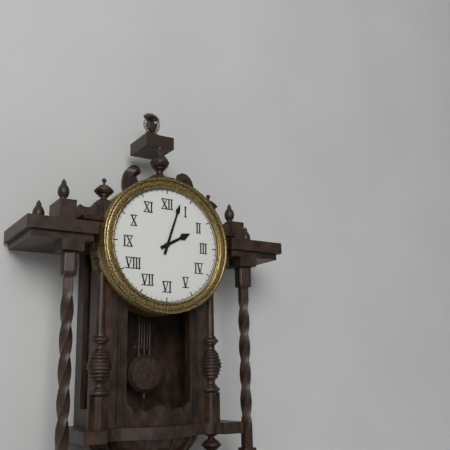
2,03
